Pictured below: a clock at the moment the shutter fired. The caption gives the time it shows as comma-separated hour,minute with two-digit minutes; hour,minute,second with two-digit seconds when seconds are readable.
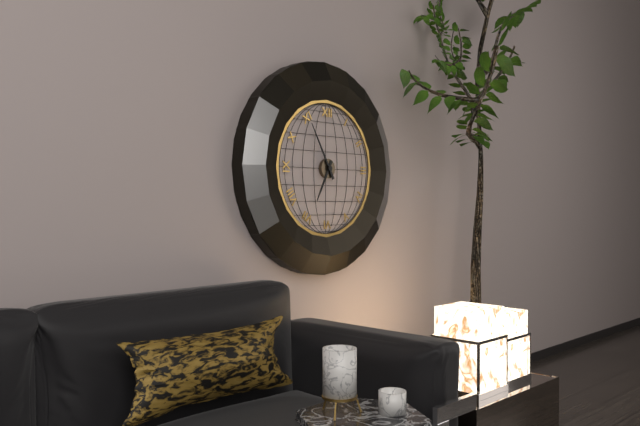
6,55
